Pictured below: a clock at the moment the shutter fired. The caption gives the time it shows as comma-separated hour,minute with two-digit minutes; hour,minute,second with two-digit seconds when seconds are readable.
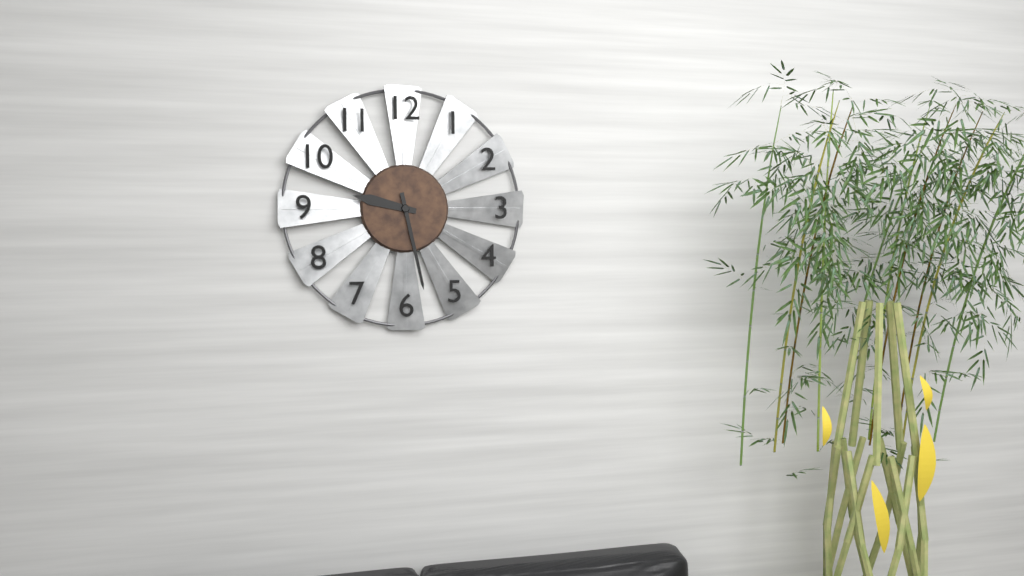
9,28
